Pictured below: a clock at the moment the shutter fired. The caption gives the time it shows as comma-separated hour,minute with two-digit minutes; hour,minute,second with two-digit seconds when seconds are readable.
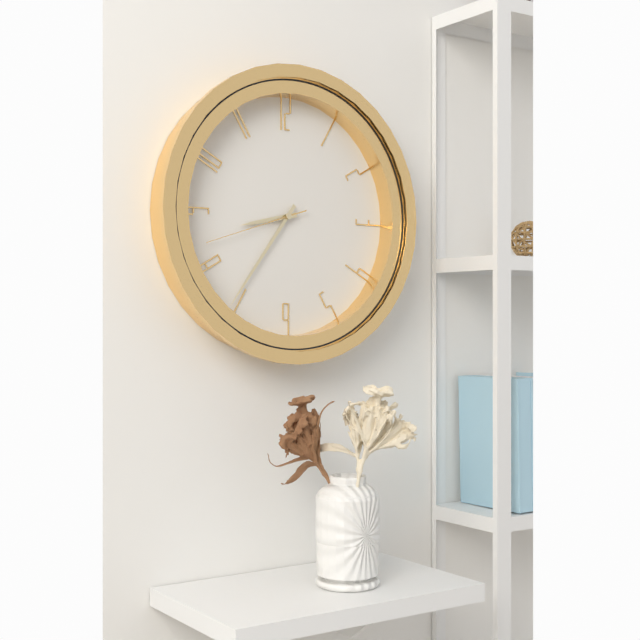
8,36,42
